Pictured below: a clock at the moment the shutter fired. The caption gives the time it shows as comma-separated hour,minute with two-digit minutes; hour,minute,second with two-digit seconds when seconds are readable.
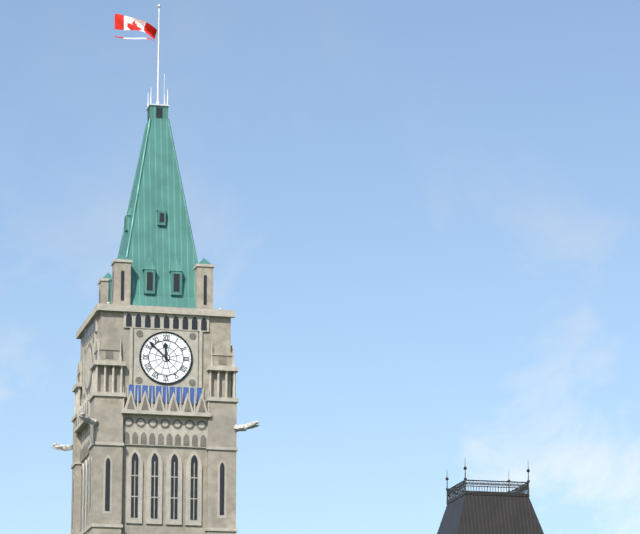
11,52
